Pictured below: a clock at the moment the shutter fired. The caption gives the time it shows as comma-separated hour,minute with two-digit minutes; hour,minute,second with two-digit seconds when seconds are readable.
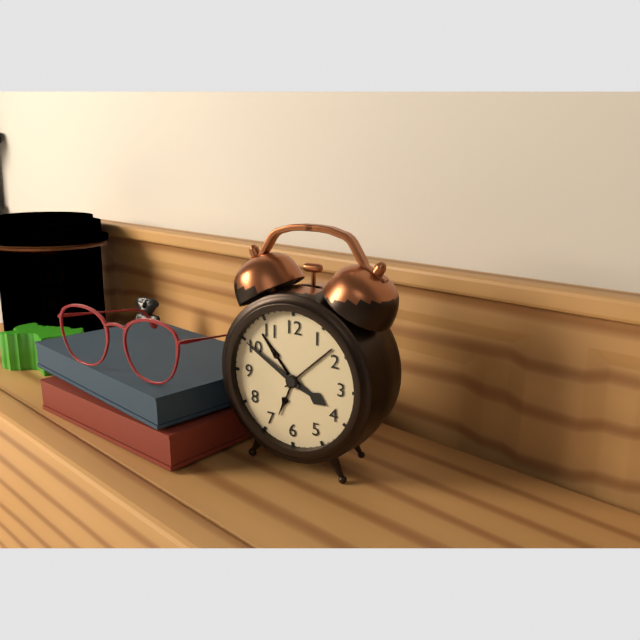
3,50
